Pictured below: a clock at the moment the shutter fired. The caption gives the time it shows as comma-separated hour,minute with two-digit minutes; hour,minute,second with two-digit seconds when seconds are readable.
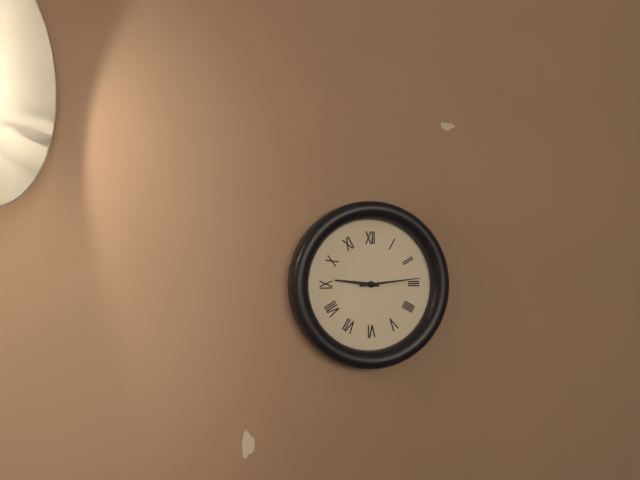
9,14
